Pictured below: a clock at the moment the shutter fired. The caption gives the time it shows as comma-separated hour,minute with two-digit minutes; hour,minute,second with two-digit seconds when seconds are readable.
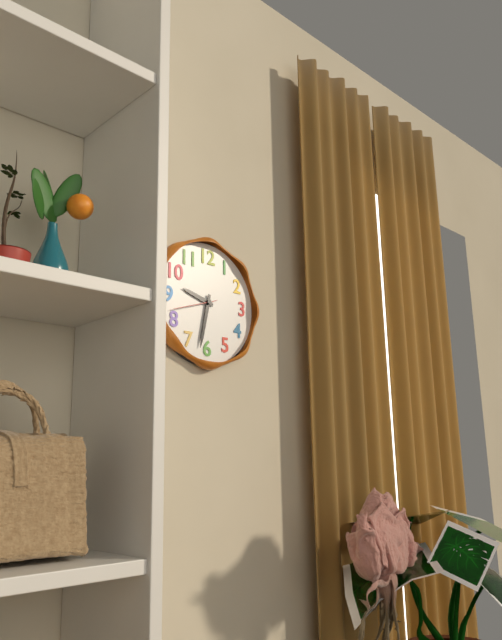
9,32,42
